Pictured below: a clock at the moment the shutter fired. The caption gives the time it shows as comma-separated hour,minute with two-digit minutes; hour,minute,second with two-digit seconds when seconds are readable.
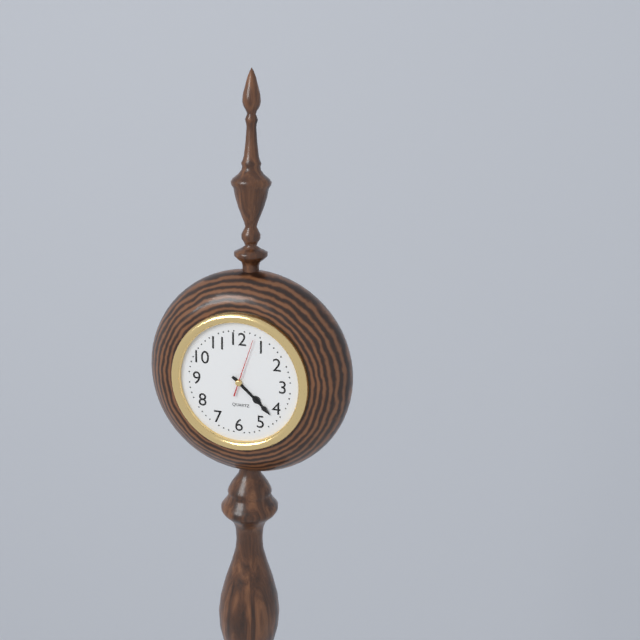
4,22
